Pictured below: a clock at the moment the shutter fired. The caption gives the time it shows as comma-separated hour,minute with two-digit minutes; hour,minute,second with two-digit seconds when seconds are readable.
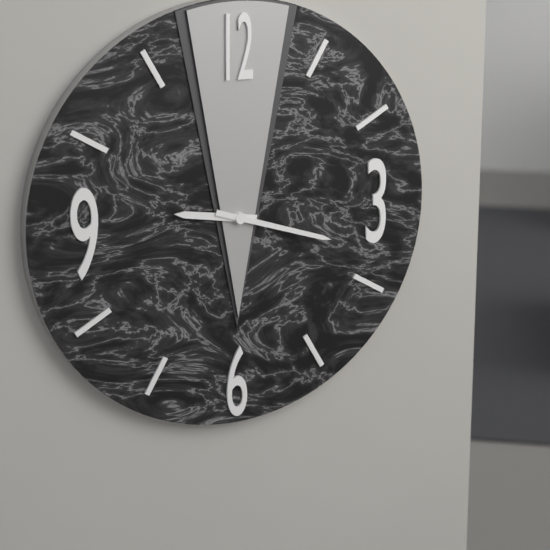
9,18
